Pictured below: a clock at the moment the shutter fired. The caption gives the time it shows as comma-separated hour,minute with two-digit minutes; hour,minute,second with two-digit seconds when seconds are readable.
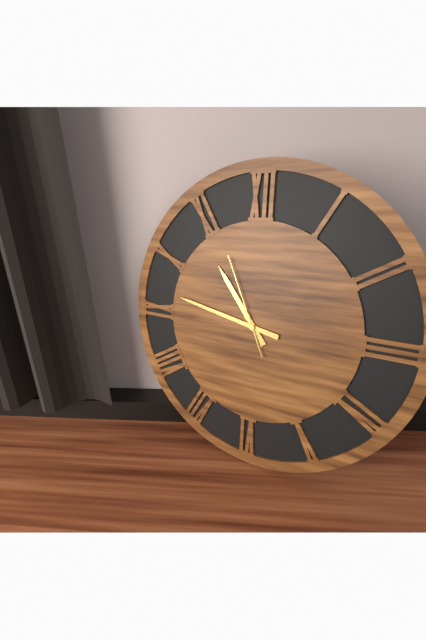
10,47,56
